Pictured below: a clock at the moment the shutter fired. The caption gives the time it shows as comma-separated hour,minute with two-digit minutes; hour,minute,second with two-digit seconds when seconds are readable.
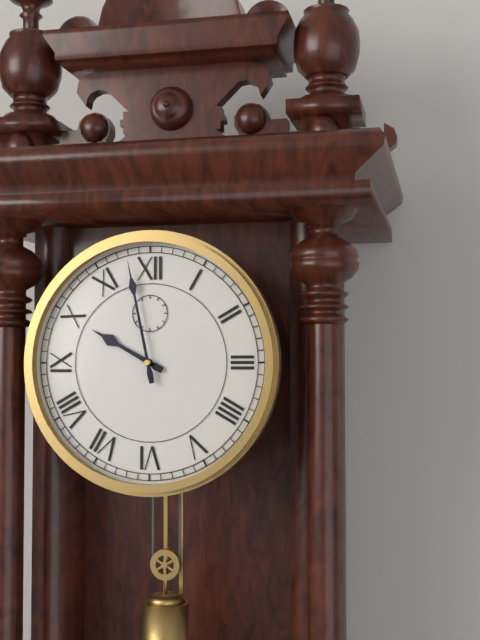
9,58
